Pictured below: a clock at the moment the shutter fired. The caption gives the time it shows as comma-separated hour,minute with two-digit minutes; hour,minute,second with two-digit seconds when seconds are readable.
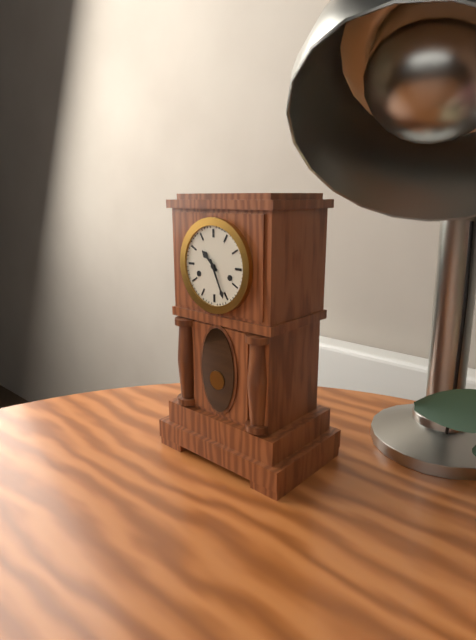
10,26
